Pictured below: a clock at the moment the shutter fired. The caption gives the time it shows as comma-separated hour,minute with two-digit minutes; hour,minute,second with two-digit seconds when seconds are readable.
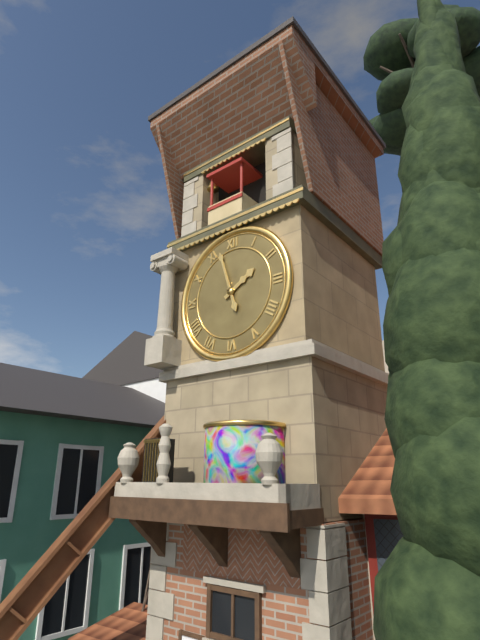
1,57
